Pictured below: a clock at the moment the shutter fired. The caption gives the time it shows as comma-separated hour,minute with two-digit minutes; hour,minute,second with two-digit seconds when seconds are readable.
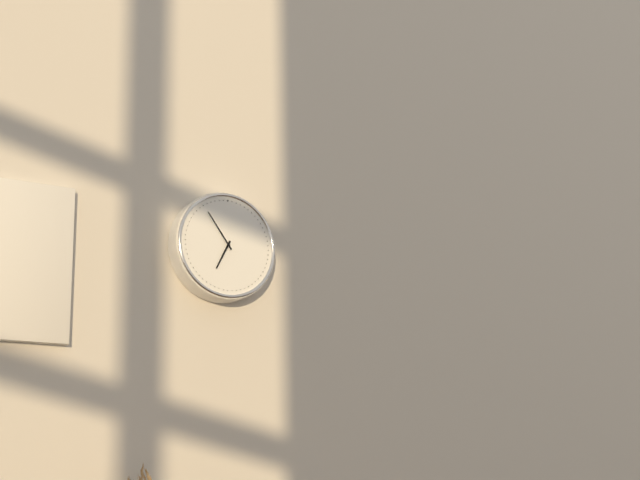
6,54
